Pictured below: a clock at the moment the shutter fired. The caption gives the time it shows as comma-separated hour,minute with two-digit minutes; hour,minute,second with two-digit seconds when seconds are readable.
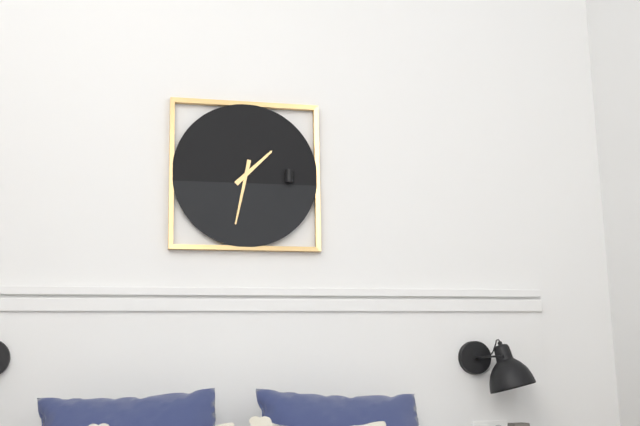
1,32
